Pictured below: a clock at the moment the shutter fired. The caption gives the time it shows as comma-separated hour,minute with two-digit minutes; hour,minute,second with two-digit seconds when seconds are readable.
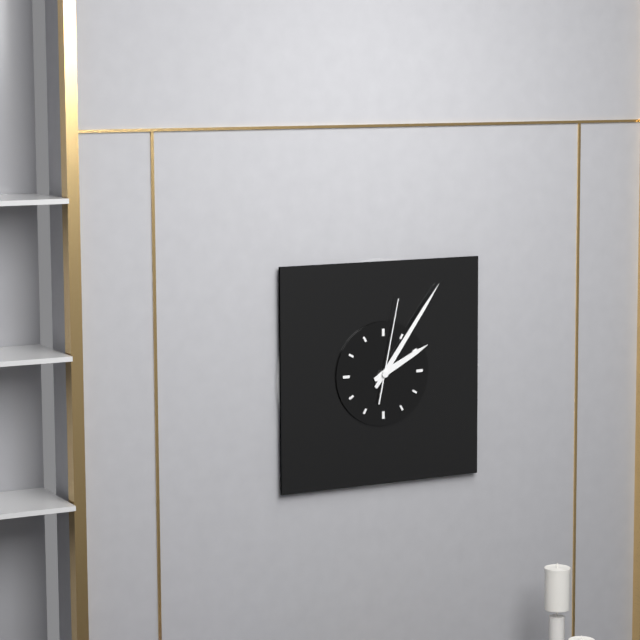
2,06,02
